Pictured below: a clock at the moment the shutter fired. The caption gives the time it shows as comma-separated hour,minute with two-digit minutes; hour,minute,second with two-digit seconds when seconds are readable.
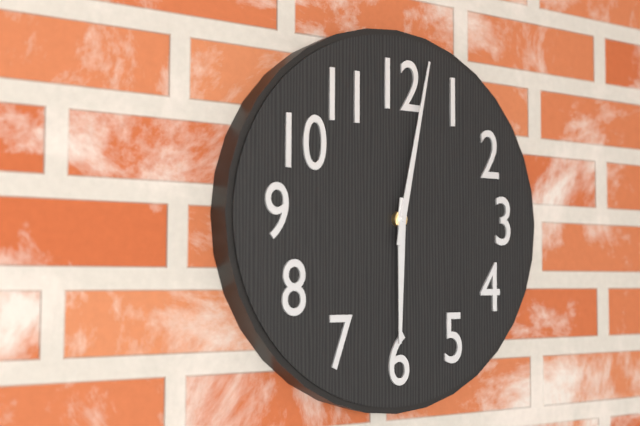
6,02
